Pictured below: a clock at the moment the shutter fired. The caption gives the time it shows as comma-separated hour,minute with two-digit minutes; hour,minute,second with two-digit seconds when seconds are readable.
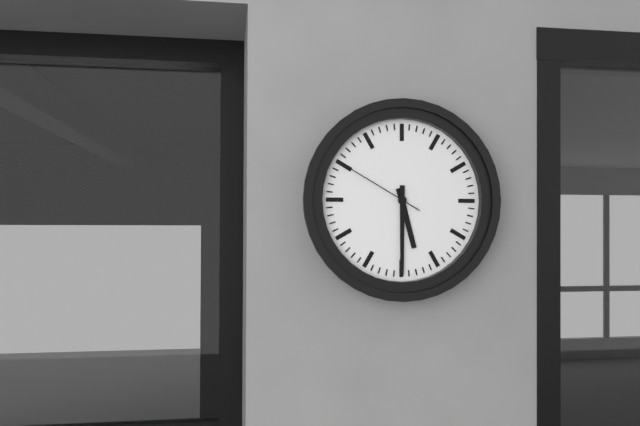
5,30,50
